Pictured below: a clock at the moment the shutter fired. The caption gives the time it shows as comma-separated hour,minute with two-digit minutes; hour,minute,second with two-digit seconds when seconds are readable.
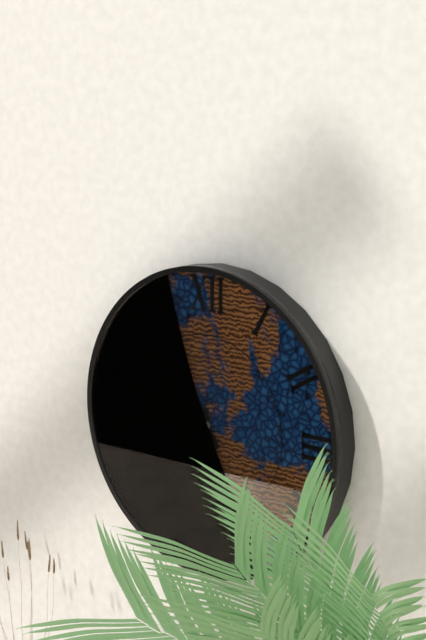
5,54
